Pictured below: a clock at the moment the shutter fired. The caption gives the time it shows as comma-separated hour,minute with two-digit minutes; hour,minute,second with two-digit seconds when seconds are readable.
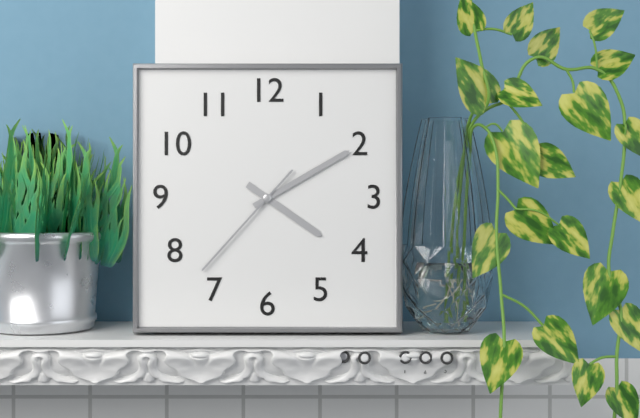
4,10,37
